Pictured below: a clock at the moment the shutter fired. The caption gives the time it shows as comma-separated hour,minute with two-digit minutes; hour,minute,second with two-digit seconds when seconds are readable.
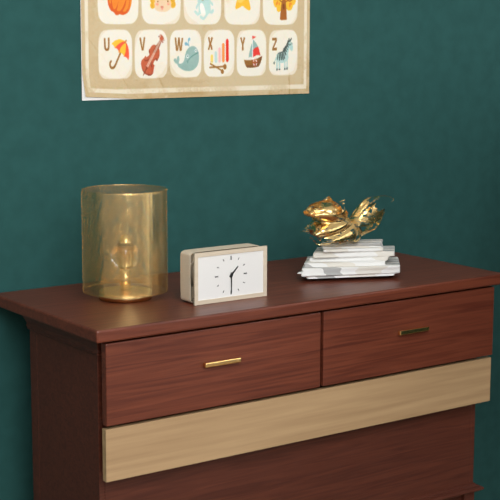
1,30
